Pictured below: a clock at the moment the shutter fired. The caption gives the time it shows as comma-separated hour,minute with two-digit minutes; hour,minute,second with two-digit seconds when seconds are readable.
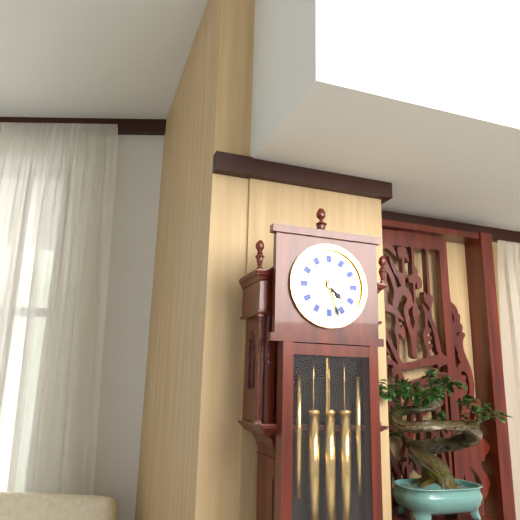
4,27
